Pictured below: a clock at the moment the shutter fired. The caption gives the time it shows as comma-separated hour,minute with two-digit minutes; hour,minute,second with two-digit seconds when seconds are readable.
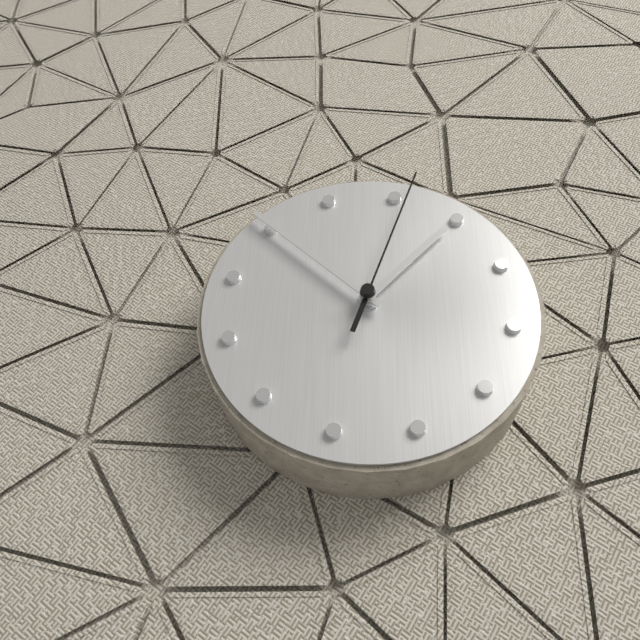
3,00,11
